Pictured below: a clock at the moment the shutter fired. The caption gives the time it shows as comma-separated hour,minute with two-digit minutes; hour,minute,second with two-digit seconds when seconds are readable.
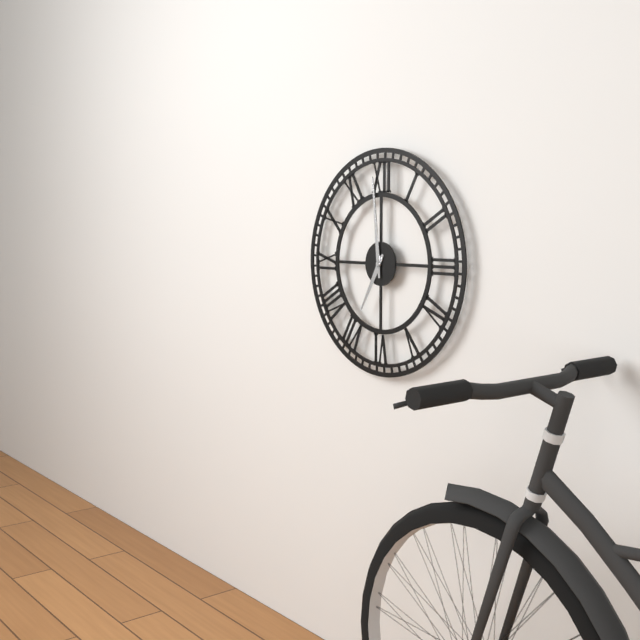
6,59
